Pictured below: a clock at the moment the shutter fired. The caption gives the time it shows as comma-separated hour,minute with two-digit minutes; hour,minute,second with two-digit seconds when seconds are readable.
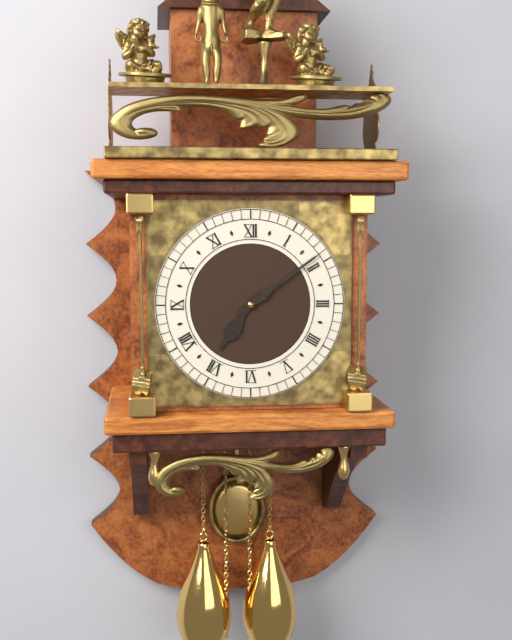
7,09
